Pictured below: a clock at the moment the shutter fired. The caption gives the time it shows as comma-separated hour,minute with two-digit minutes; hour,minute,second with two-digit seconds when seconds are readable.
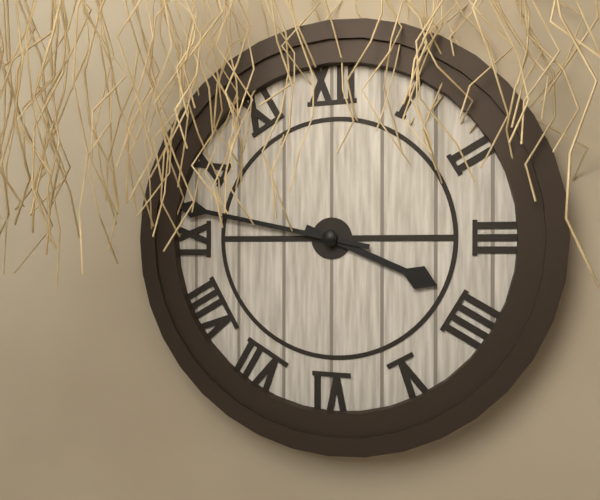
3,47
